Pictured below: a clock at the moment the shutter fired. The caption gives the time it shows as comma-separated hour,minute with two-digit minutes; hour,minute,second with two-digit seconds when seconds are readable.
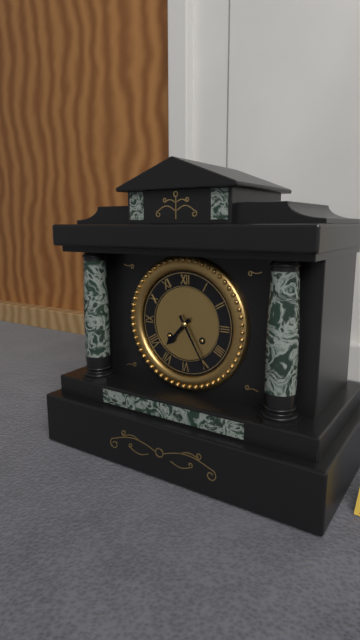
7,25
